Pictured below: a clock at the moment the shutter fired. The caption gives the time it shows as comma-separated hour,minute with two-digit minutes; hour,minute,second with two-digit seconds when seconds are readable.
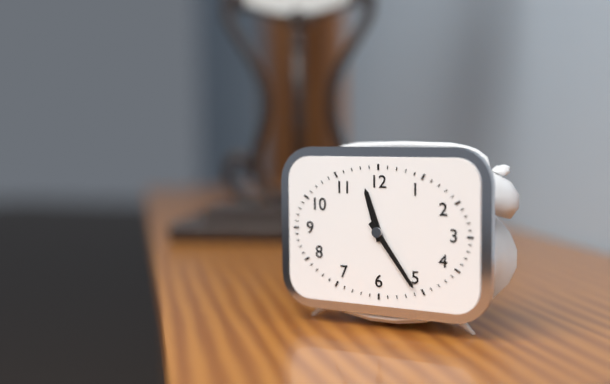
11,24
